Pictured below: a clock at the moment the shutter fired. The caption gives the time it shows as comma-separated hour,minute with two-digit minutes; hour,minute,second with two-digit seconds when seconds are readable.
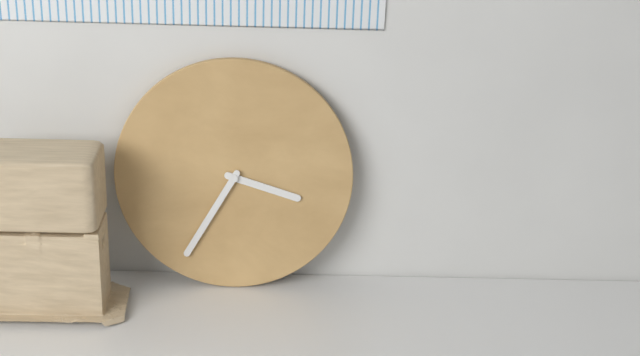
3,35
